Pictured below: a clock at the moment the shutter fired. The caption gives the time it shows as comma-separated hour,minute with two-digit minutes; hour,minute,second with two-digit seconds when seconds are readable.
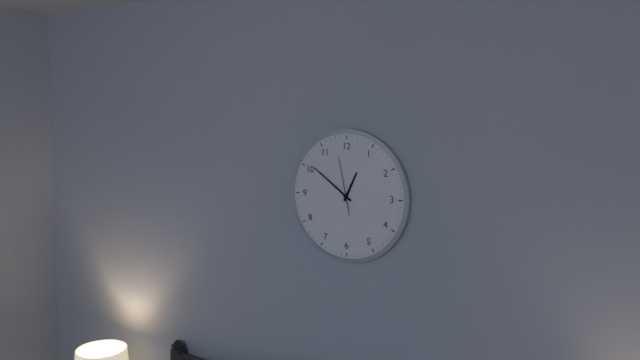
12,51,58
